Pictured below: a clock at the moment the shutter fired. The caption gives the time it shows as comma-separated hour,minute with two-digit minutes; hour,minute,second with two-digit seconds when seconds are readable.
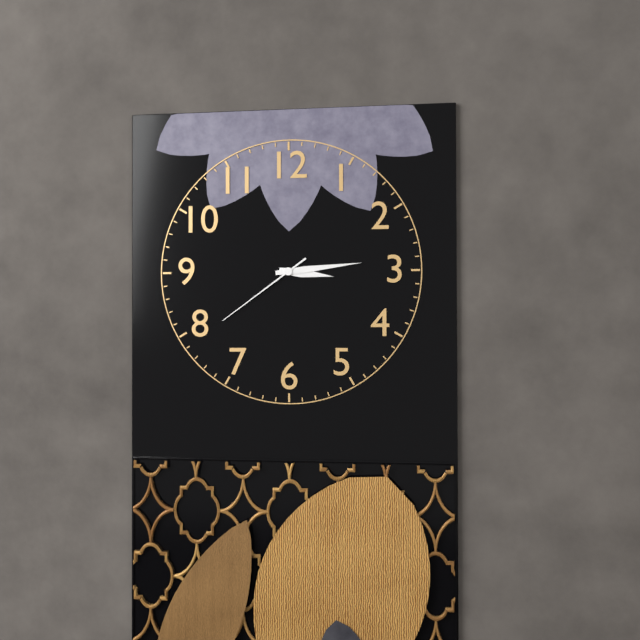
3,14,39
